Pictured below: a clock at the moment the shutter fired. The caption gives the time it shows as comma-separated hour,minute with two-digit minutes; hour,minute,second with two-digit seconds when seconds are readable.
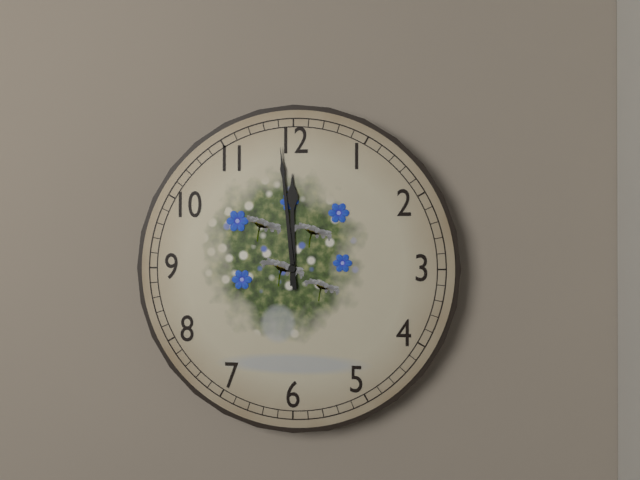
11,59
